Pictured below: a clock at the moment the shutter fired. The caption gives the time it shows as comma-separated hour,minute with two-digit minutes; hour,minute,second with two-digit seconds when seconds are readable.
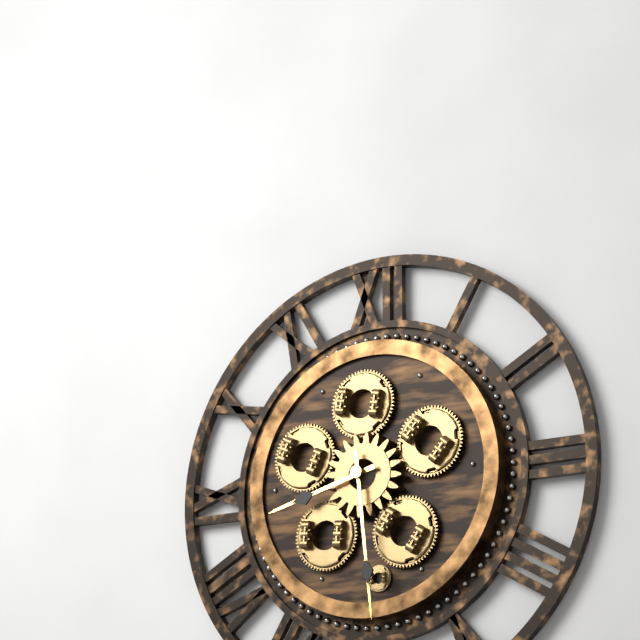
8,29
